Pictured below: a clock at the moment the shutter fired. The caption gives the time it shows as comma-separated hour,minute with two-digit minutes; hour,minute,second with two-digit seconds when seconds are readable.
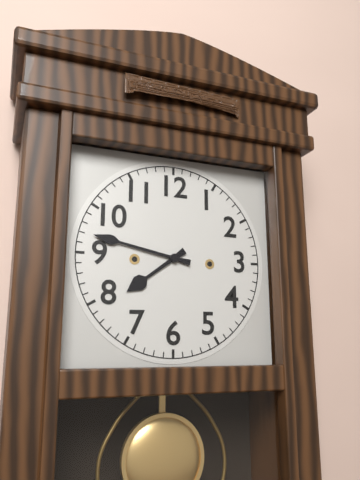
7,47
